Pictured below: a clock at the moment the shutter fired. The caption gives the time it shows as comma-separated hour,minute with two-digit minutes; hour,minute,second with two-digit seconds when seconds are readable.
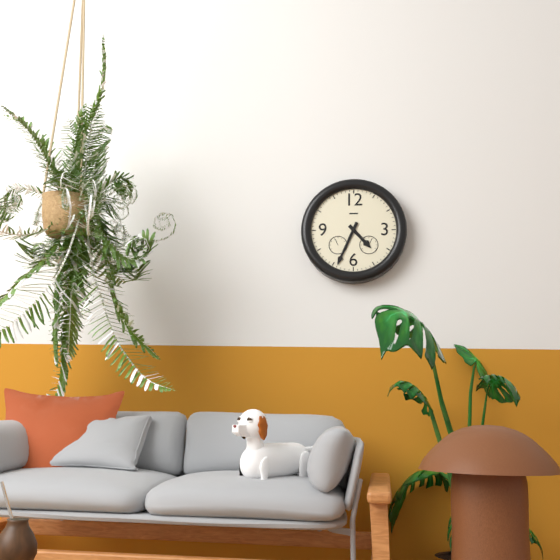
4,34
